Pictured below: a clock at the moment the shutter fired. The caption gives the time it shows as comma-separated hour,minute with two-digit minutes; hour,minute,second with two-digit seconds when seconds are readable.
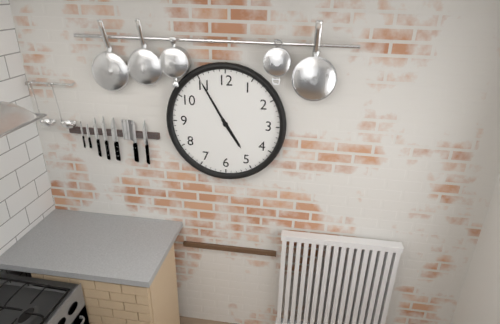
4,55
